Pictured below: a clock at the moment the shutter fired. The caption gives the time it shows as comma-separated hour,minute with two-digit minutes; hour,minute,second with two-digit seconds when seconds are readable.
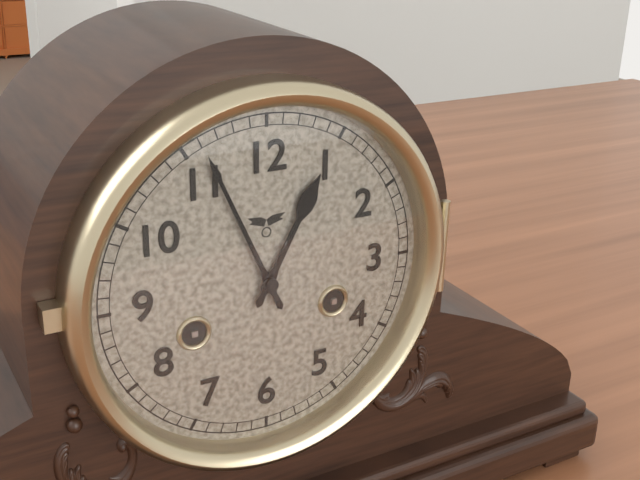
12,56
